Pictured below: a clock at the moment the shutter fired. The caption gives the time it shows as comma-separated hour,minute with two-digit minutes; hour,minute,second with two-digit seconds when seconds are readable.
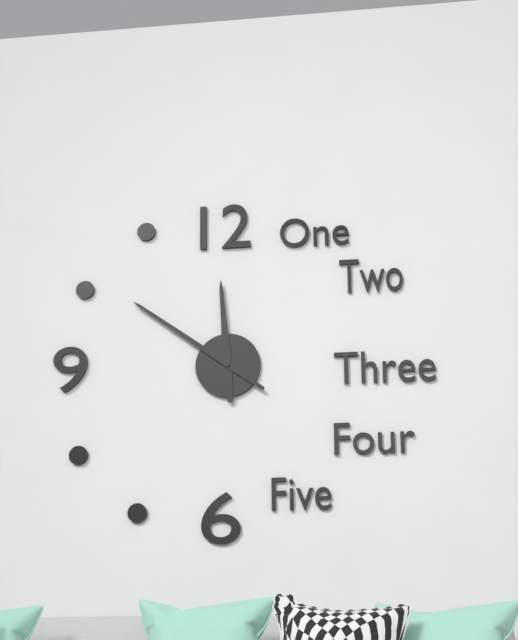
11,51
